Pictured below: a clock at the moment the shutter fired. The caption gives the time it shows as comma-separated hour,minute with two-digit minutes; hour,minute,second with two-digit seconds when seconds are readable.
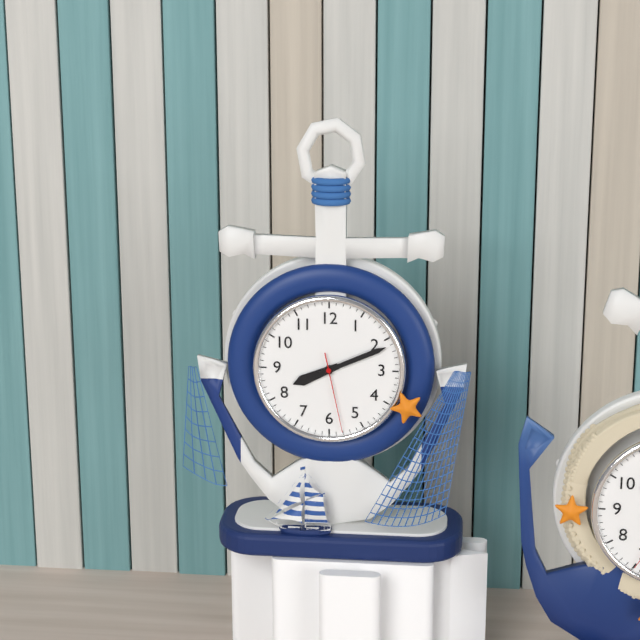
8,11,28
